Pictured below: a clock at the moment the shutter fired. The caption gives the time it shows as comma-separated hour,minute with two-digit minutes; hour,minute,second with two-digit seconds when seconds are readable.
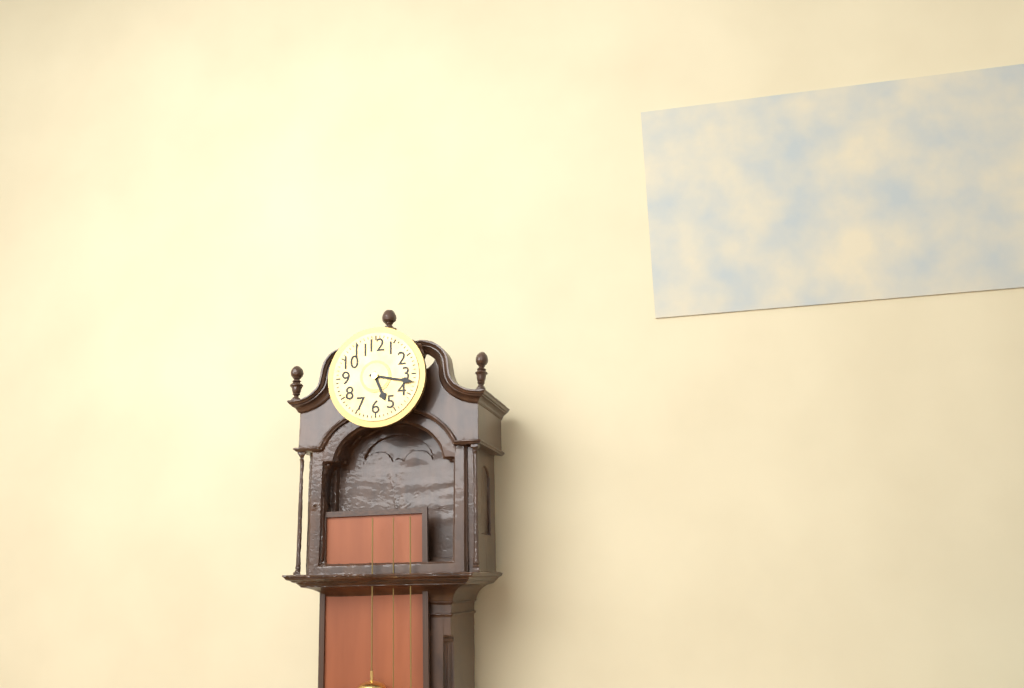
5,17
